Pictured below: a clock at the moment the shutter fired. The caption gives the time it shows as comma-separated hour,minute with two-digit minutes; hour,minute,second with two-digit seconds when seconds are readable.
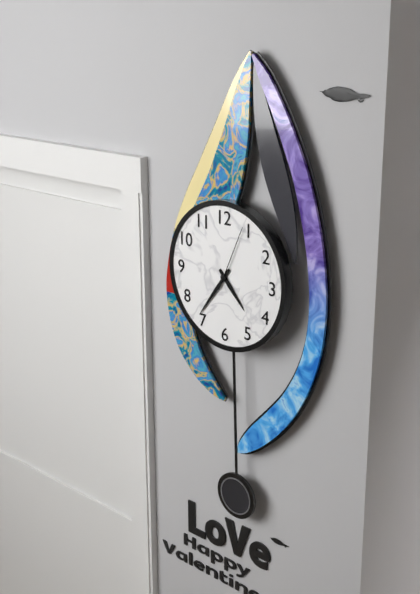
4,36,04
